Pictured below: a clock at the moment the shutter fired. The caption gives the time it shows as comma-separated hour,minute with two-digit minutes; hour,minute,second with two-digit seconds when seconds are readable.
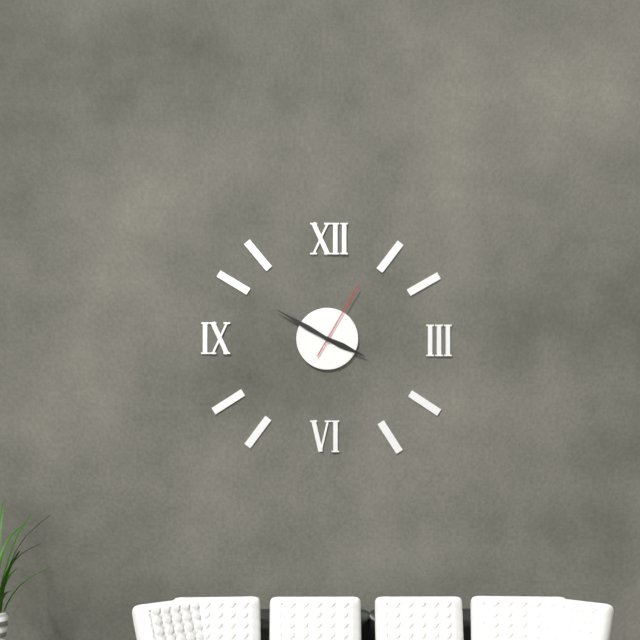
3,50,05
